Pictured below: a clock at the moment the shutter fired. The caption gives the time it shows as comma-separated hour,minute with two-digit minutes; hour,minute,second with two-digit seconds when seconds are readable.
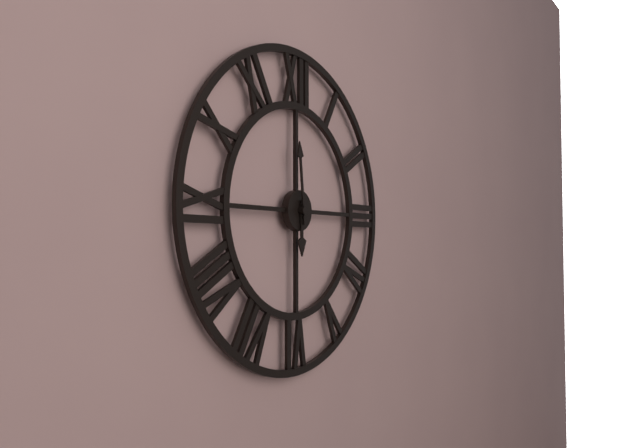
5,59
